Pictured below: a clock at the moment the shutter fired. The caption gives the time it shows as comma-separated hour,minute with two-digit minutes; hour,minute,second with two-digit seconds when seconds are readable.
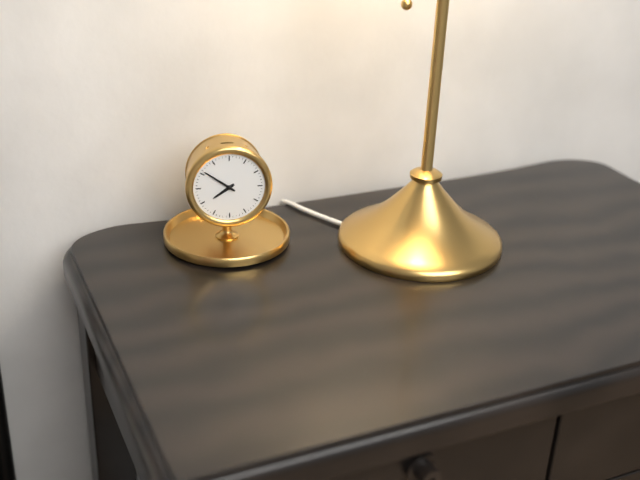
7,51
